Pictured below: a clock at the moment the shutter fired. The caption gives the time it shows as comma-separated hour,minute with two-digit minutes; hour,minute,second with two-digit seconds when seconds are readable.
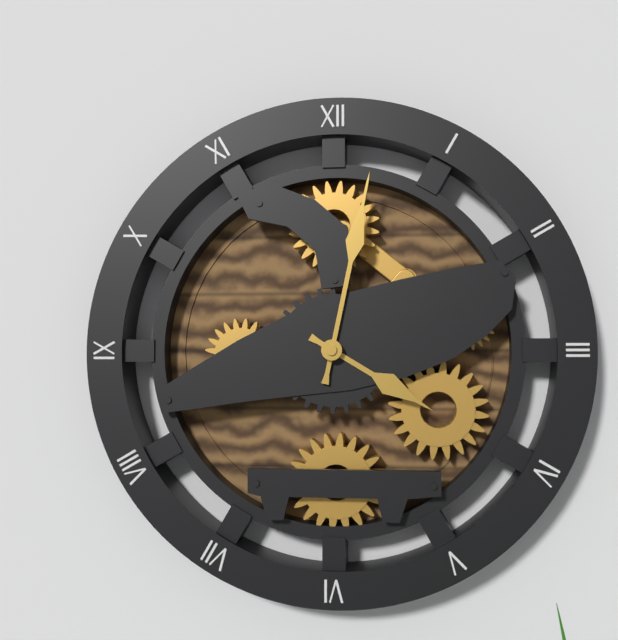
4,02
